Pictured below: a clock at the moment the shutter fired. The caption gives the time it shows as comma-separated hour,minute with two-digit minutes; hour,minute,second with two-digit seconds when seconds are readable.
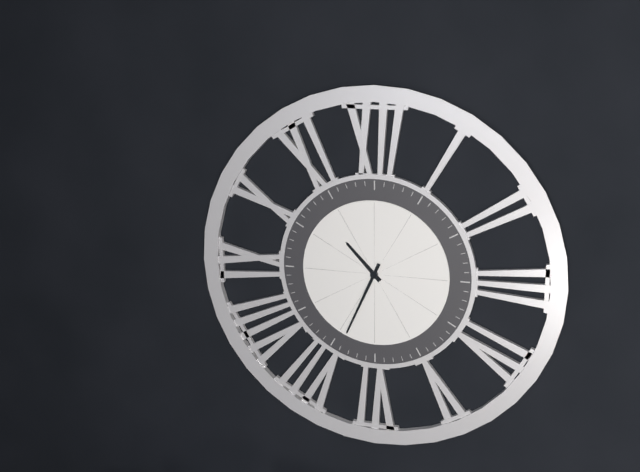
10,34
